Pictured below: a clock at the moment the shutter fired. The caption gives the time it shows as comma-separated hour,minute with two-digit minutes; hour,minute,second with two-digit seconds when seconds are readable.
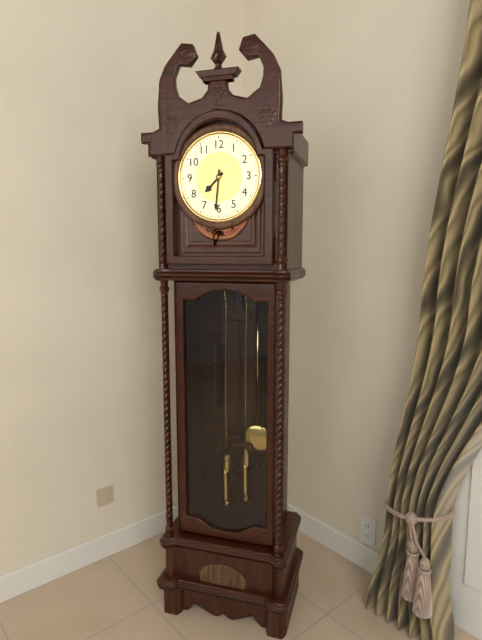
7,31
